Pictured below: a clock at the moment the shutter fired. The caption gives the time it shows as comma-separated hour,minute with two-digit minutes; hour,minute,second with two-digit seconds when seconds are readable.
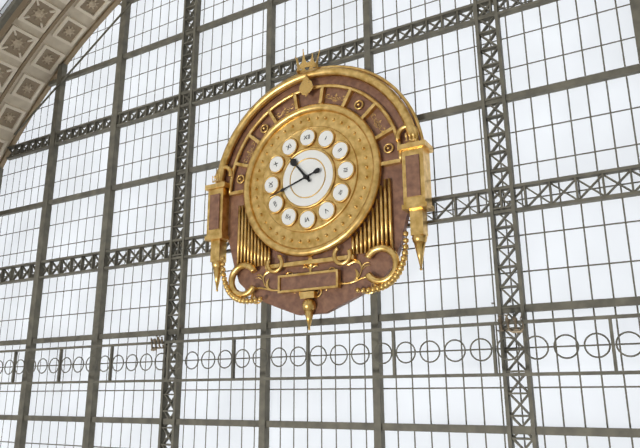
10,42
